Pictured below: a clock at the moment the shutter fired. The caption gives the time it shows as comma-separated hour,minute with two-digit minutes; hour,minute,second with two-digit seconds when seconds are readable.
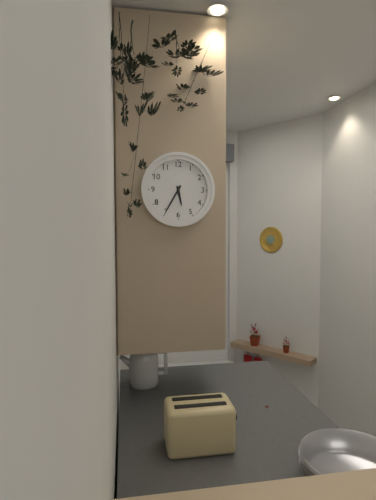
5,35
